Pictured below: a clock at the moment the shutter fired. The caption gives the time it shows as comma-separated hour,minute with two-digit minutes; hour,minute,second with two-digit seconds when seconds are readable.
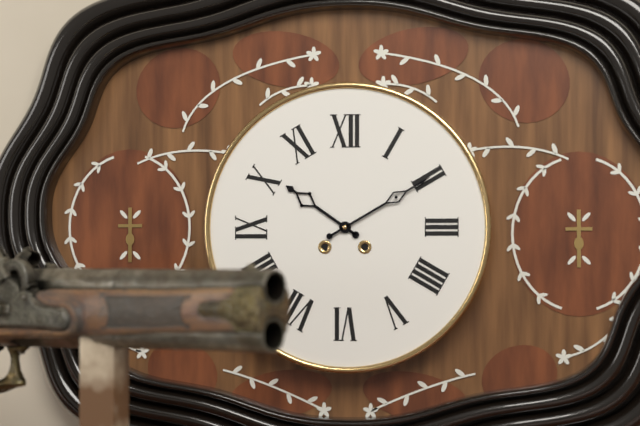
10,10
